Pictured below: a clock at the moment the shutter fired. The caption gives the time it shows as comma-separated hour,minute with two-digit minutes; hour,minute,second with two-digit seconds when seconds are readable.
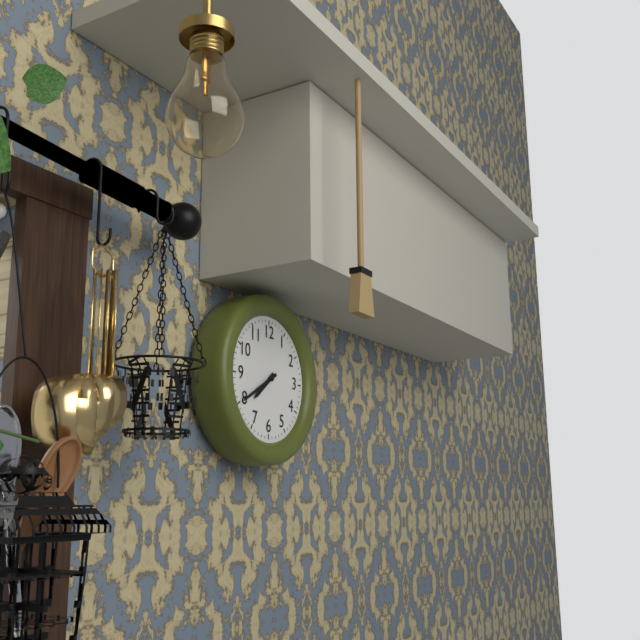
7,40
